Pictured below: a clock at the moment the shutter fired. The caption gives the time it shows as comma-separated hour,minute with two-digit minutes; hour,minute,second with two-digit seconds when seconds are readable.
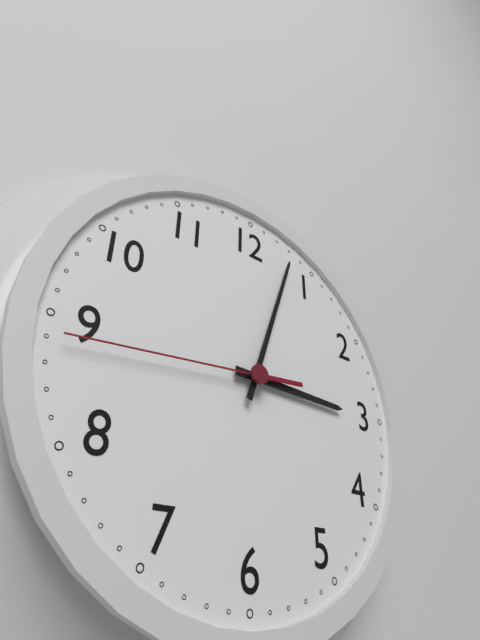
3,03,44
